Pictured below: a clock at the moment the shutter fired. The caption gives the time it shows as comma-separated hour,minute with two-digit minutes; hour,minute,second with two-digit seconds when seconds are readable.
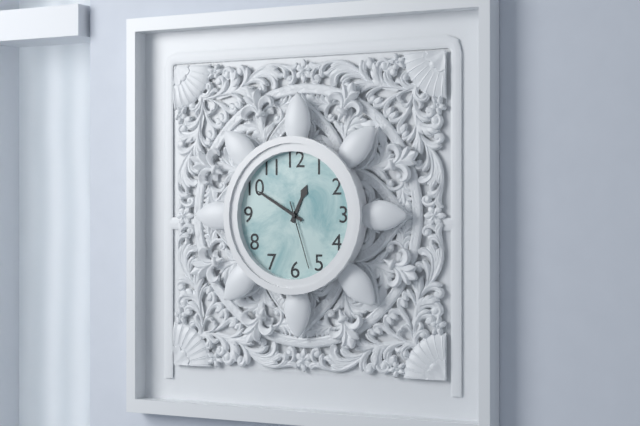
12,50,27
